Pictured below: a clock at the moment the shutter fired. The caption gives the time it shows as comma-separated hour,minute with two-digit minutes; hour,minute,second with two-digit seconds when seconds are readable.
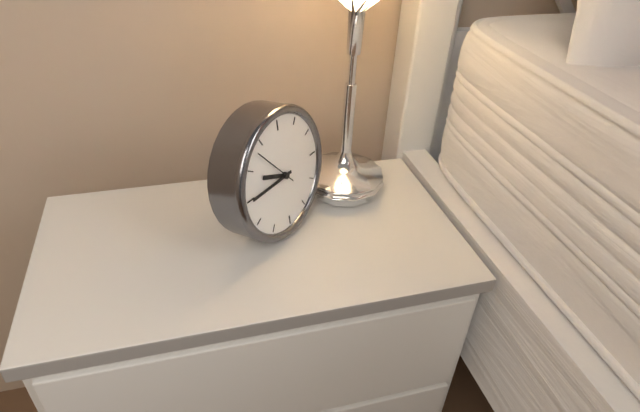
9,45
